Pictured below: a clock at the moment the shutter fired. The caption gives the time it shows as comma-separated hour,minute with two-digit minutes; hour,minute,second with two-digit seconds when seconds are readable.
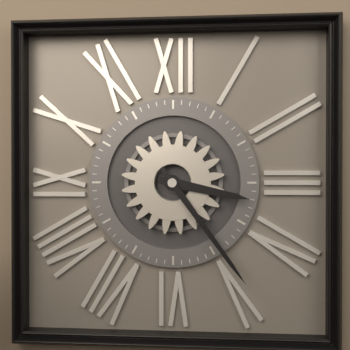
3,24
